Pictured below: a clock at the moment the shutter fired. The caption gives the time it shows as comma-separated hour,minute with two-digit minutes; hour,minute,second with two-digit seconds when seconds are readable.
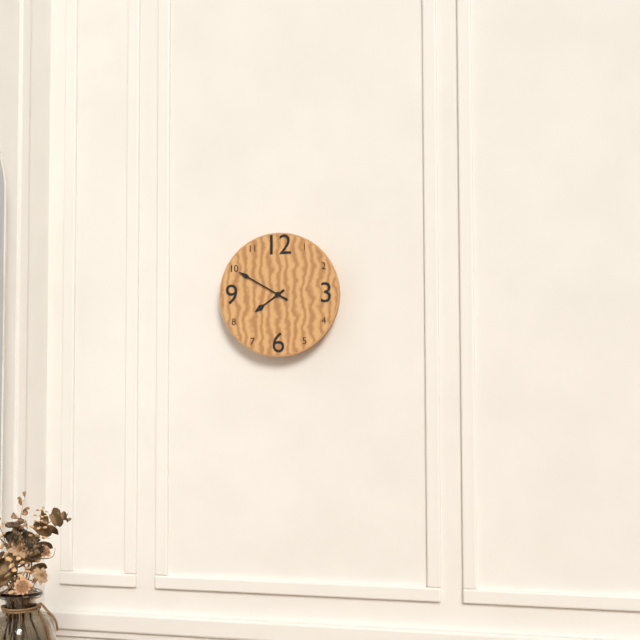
7,50
